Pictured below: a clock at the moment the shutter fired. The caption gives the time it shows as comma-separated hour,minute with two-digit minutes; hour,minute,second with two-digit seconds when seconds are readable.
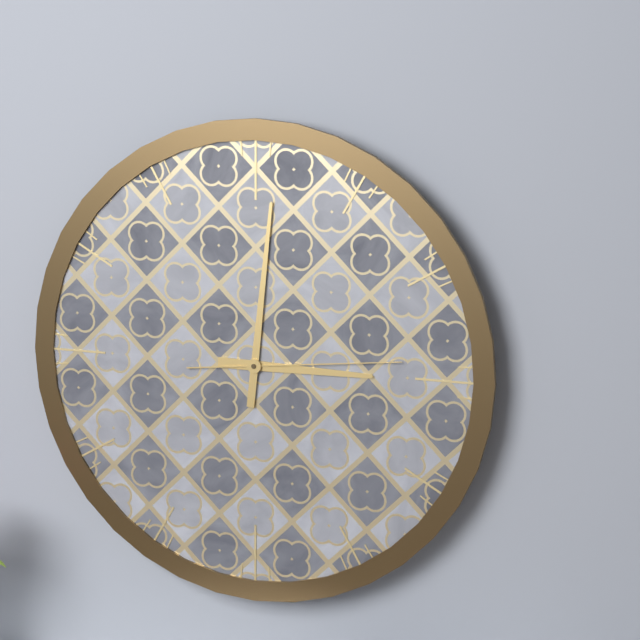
3,01,14
